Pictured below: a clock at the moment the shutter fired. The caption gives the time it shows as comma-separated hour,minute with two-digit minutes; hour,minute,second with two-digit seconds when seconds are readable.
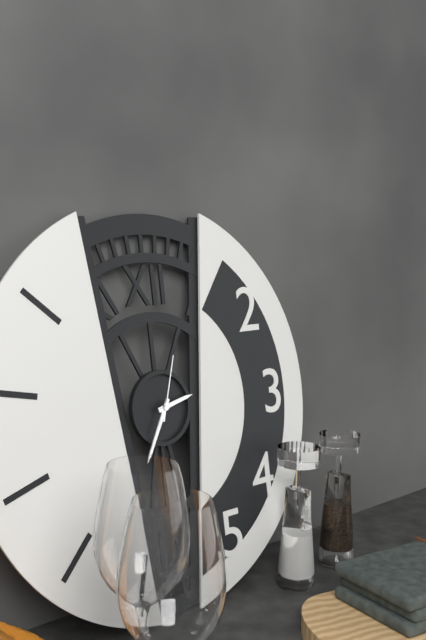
2,35,03
